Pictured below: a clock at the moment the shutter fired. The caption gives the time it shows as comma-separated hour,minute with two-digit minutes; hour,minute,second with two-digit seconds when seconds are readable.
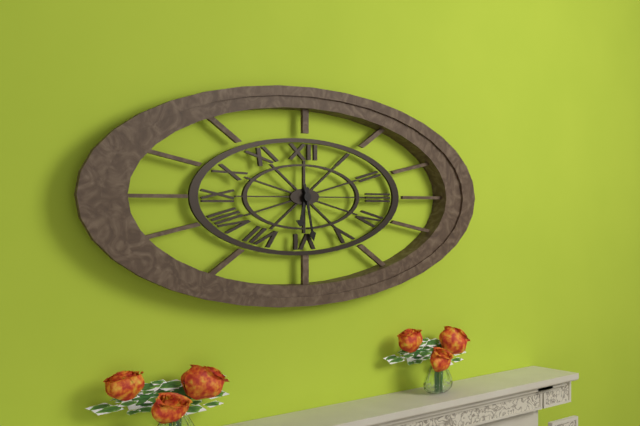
6,28
